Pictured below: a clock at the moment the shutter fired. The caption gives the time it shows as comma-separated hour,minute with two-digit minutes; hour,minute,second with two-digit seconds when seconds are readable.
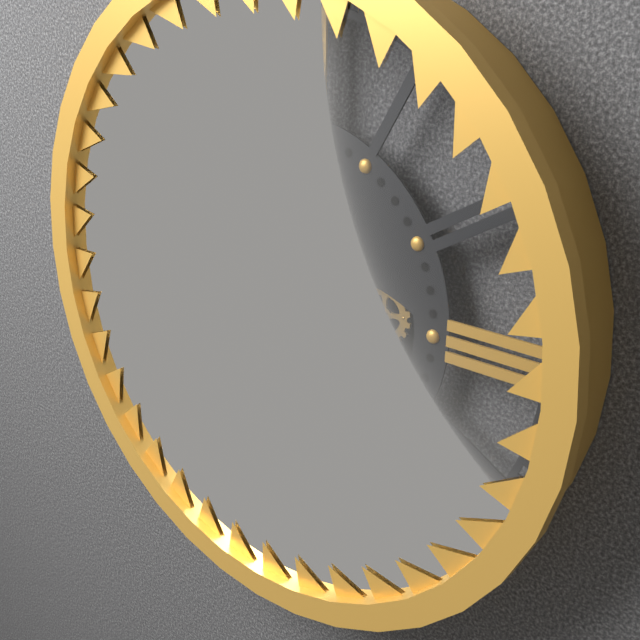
3,47
